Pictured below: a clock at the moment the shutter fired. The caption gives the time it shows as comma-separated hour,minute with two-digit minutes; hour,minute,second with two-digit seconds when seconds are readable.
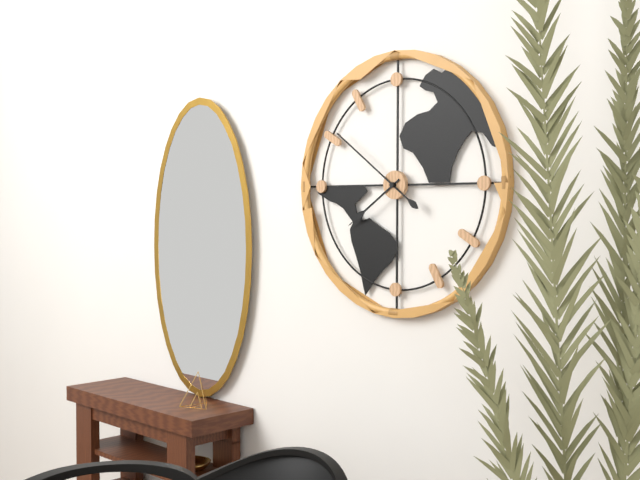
7,51
